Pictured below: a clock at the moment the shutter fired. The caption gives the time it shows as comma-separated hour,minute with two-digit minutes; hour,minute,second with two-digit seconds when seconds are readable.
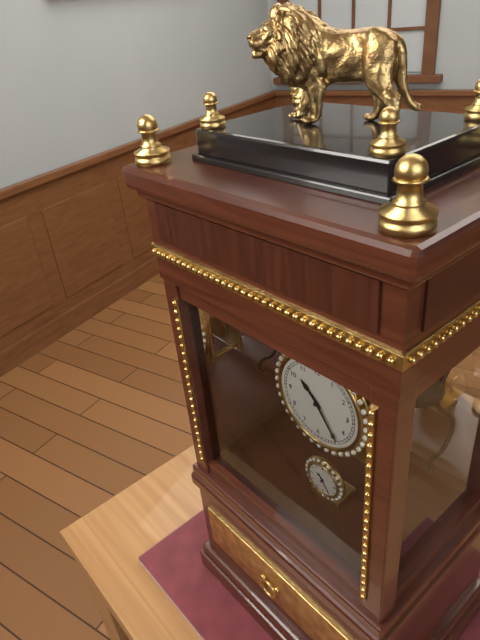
10,24
